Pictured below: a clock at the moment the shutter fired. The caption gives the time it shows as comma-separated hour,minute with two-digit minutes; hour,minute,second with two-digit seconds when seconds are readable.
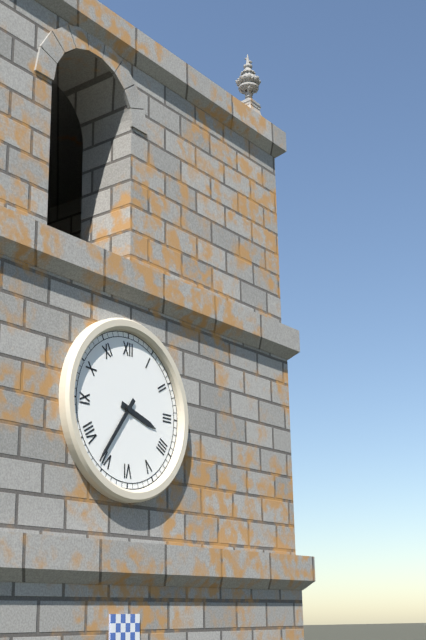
3,36
